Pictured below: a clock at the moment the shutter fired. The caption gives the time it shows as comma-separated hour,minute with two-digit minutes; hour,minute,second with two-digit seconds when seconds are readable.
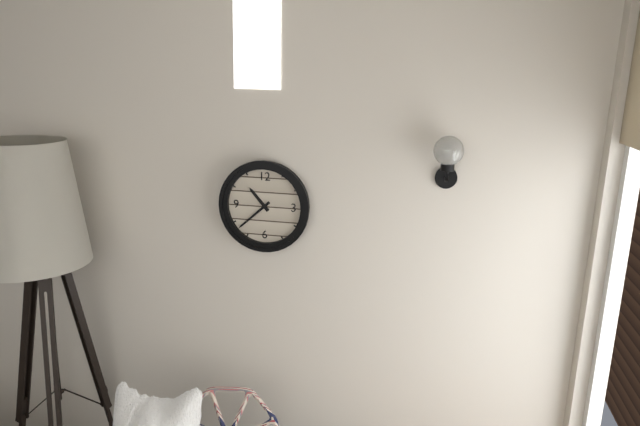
10,38
